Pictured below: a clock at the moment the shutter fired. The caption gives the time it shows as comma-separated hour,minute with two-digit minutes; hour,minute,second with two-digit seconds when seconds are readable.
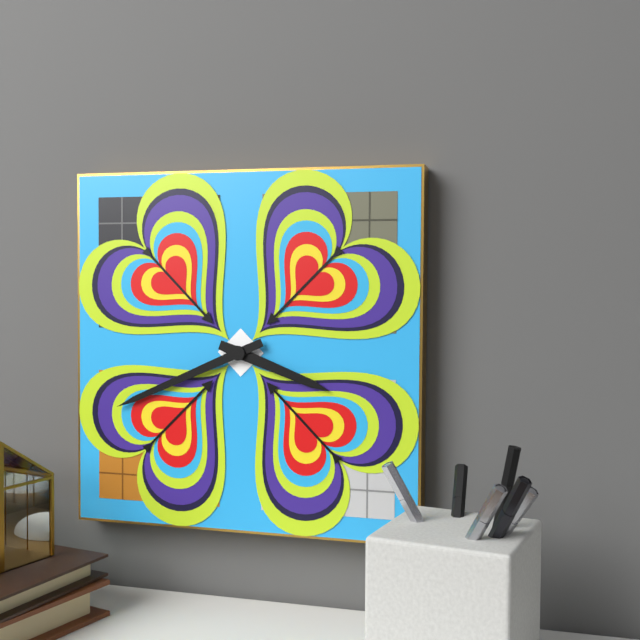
3,41
